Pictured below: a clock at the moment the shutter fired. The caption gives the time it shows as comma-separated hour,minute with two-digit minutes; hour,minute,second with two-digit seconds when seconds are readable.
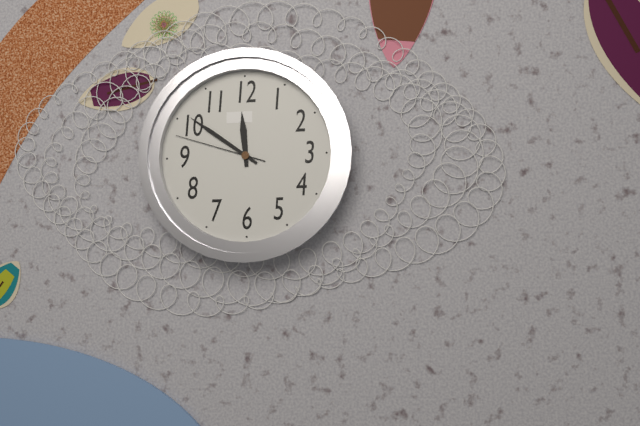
11,51,48
